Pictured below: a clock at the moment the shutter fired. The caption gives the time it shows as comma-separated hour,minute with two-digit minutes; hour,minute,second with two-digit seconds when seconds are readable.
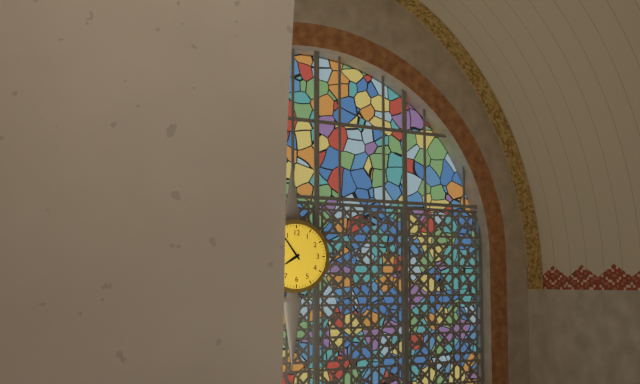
7,54
